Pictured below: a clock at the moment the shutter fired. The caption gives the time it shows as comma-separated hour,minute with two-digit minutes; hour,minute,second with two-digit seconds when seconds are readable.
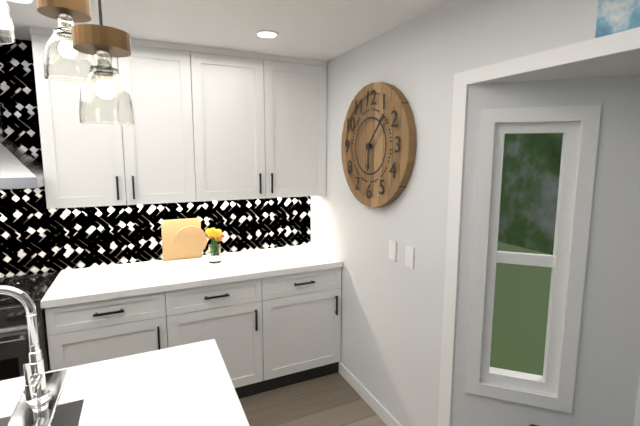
6,07
